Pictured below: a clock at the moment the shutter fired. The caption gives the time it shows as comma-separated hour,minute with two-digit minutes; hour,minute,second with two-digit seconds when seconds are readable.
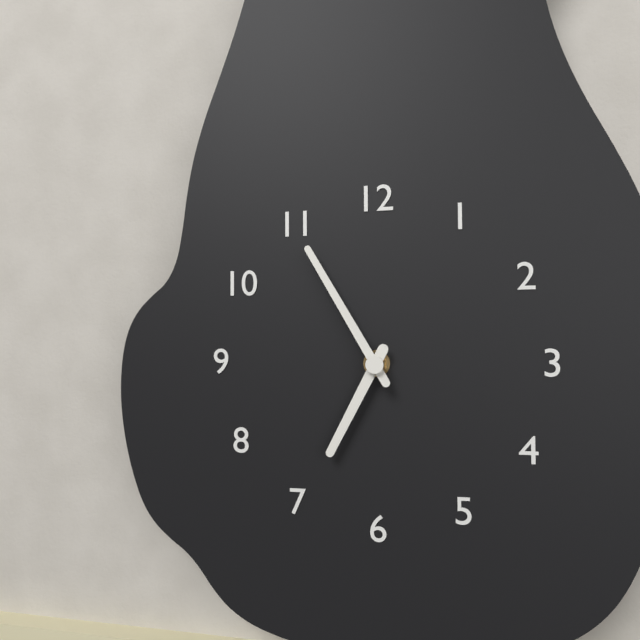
6,55
